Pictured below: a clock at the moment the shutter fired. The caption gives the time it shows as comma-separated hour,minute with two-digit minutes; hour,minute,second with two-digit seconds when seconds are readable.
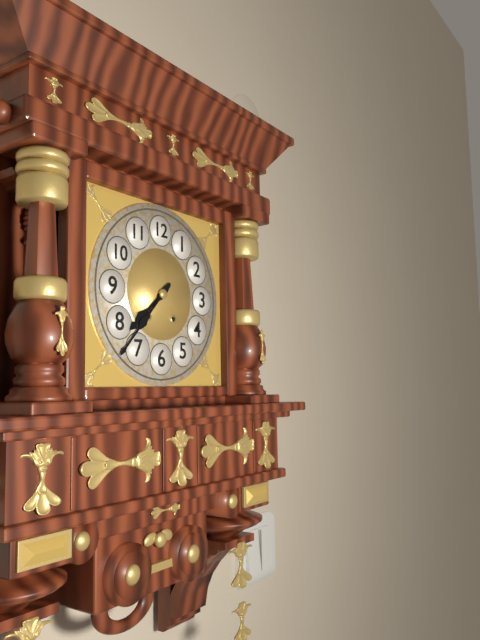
7,37
